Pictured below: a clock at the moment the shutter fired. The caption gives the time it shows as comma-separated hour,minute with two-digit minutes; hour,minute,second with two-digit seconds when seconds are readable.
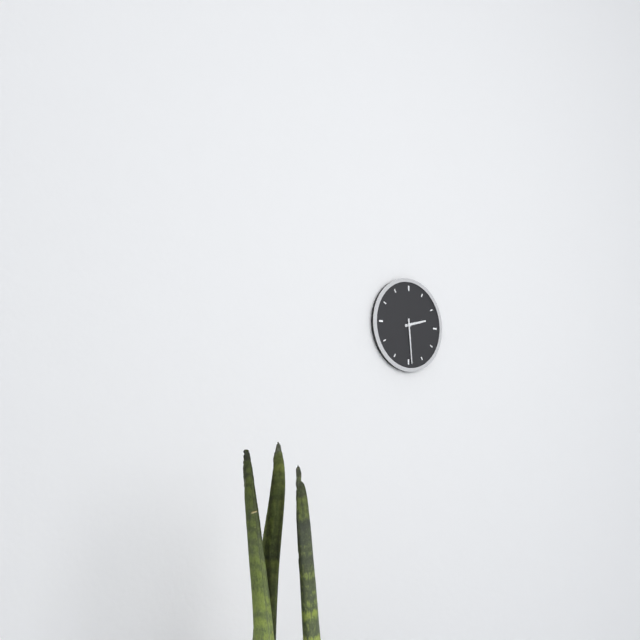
2,29
